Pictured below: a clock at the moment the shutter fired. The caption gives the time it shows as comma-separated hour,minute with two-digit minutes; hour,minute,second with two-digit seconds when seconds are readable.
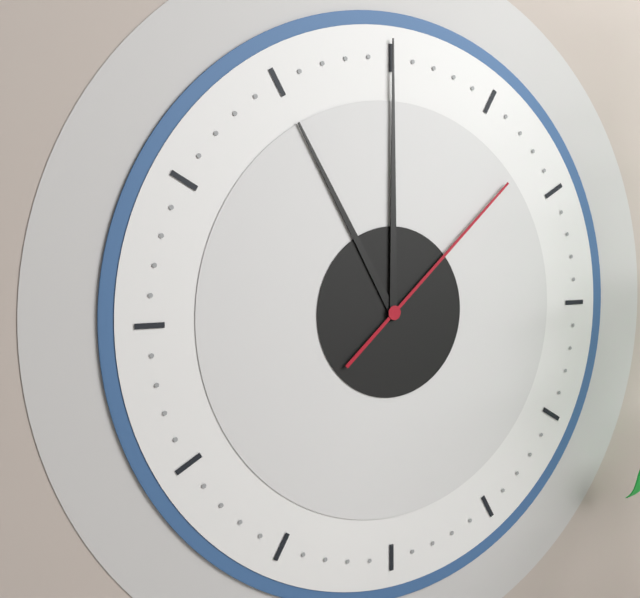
11,00,08
